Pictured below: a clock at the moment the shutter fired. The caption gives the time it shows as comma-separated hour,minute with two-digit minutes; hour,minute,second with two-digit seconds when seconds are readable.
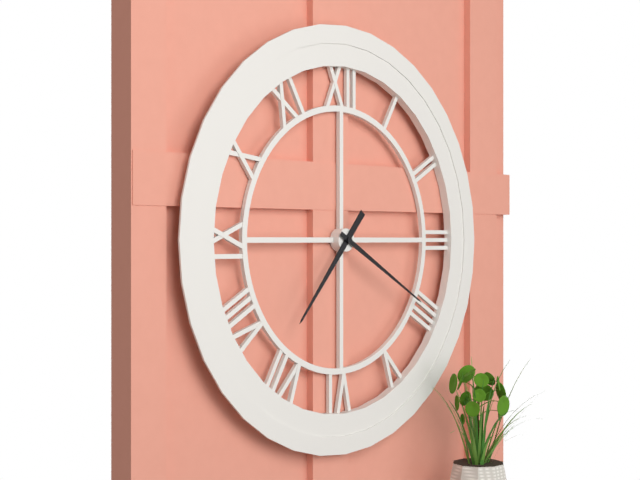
7,20
